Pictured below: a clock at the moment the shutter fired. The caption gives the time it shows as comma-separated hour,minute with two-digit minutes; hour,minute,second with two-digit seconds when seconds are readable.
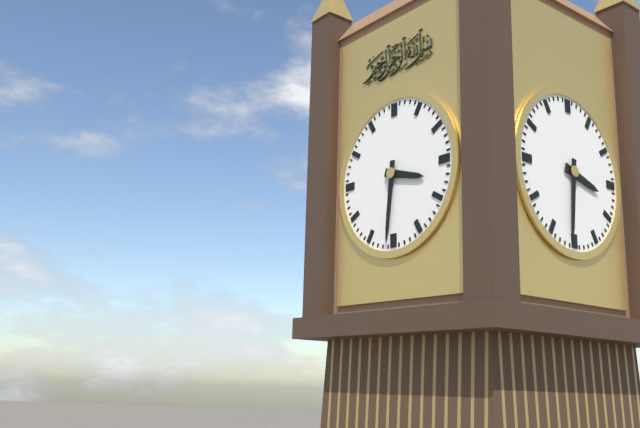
3,31
